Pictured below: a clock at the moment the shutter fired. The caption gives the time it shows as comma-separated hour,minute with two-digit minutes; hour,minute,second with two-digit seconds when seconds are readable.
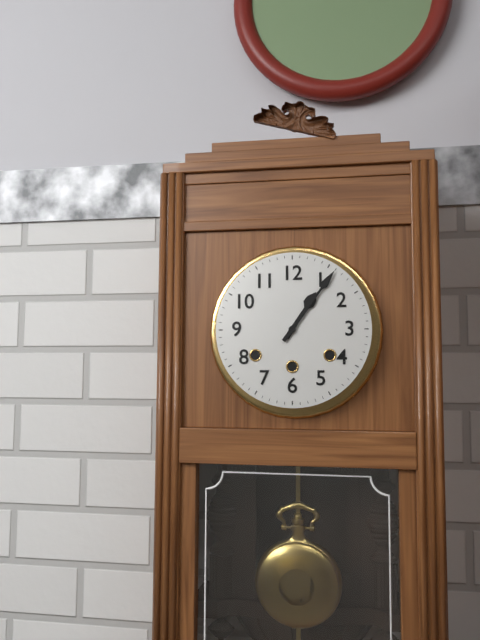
1,06
